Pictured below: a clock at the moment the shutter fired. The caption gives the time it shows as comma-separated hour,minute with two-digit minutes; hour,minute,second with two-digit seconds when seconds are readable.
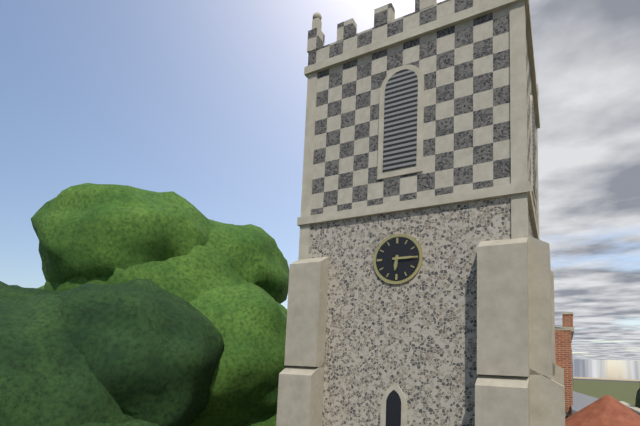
6,15
